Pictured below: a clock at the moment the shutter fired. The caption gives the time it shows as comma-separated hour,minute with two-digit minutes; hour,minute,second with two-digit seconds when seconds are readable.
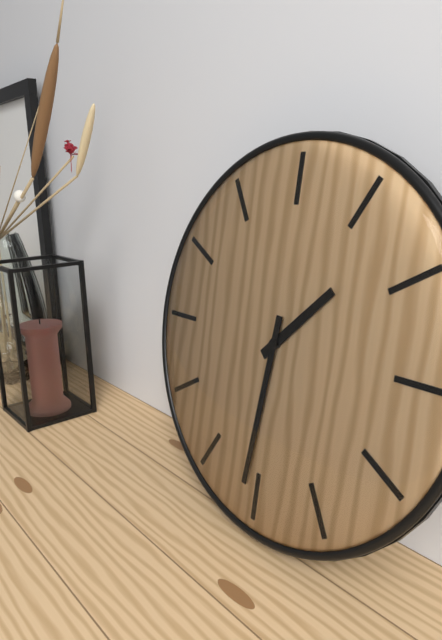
1,31
